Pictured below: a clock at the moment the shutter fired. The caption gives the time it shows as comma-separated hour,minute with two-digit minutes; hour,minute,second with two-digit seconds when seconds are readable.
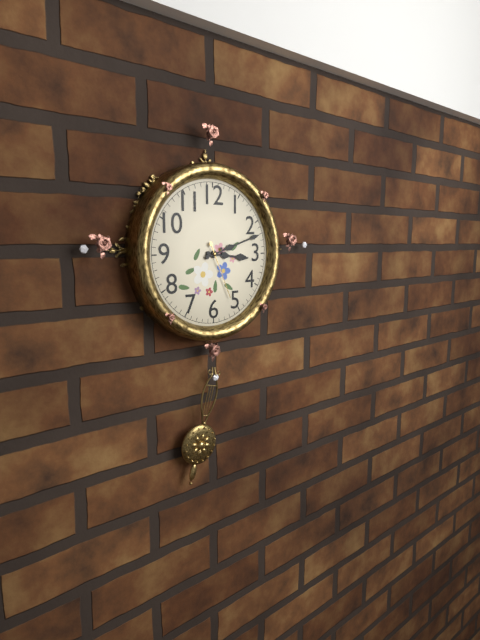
3,12,26
